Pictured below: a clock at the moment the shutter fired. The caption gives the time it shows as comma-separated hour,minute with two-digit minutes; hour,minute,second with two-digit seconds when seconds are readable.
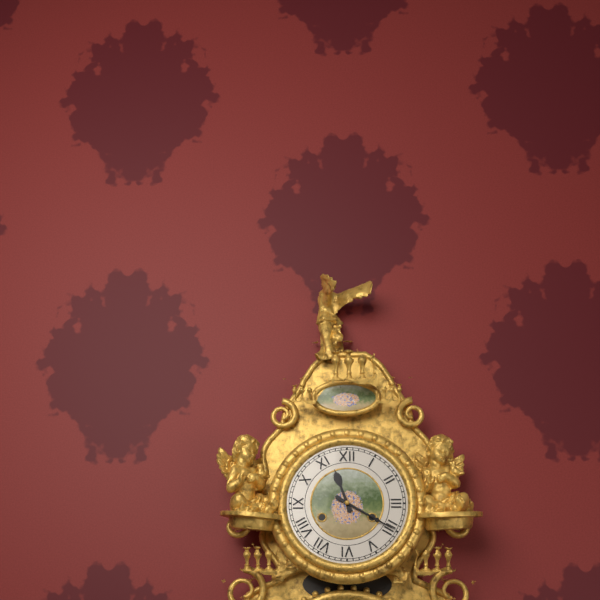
11,20
